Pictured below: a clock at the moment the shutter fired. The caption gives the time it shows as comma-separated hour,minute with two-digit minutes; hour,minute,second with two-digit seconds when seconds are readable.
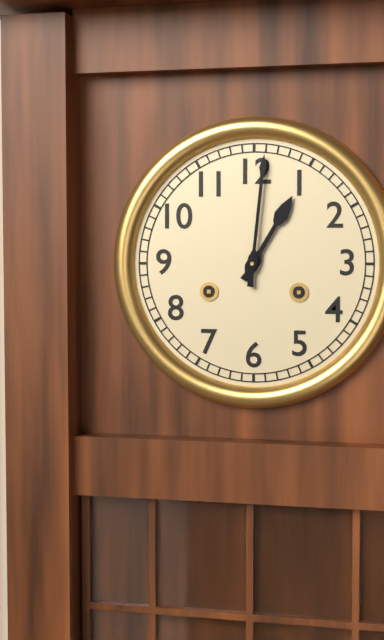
1,01
